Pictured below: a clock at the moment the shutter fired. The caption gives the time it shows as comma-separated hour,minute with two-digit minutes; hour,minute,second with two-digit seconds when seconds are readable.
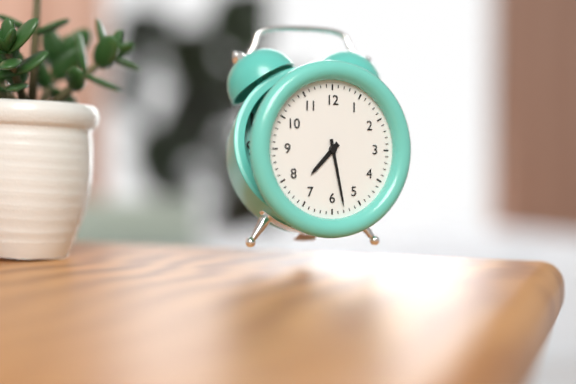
7,28
